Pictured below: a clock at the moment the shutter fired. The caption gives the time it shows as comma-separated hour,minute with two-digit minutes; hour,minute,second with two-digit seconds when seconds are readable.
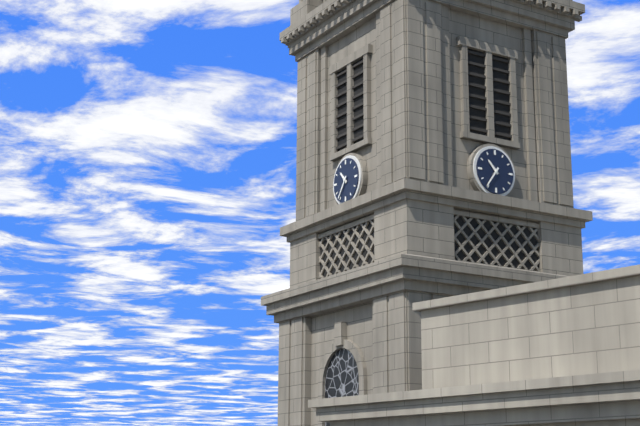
10,36
